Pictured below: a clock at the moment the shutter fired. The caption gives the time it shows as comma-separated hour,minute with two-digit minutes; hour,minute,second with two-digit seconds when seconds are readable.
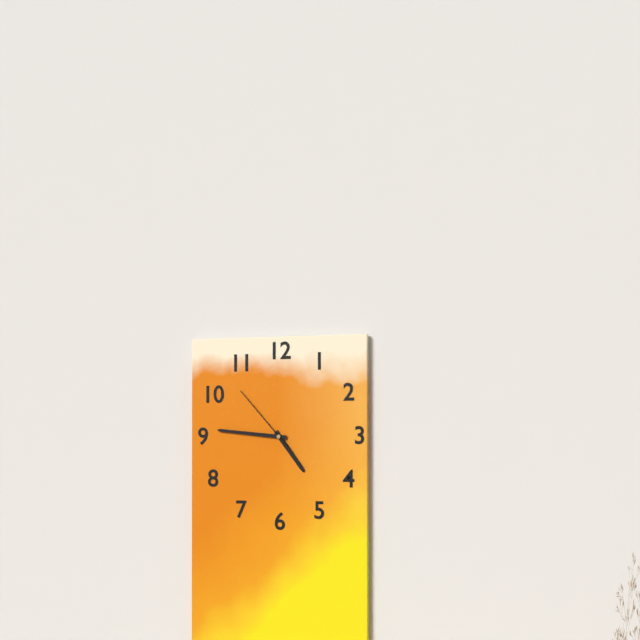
4,46,53
